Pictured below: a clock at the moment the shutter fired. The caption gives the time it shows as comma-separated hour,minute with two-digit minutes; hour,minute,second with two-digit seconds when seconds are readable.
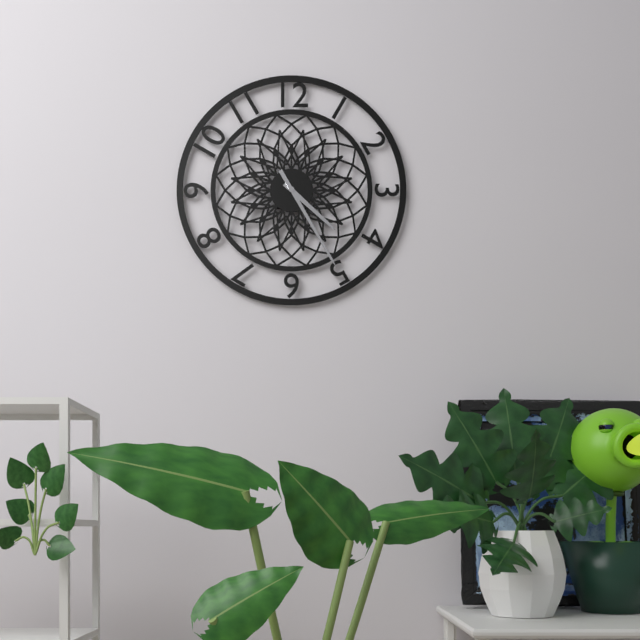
4,25
